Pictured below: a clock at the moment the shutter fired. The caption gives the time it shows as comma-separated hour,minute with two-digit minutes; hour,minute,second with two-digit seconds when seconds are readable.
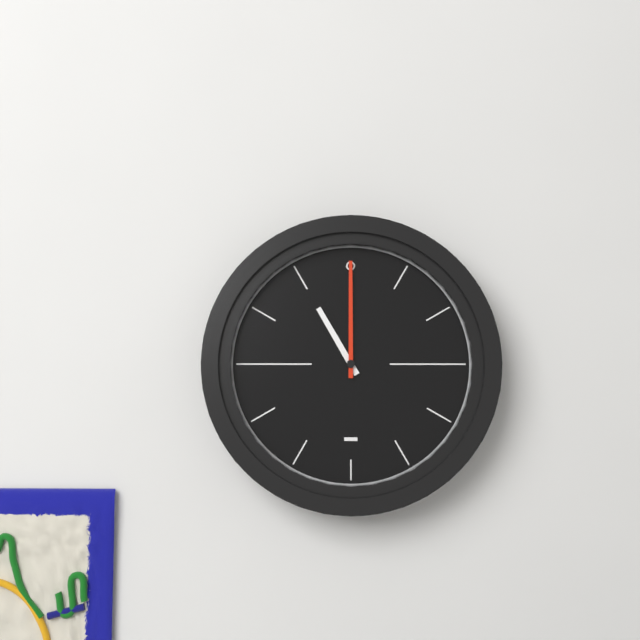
11,00
